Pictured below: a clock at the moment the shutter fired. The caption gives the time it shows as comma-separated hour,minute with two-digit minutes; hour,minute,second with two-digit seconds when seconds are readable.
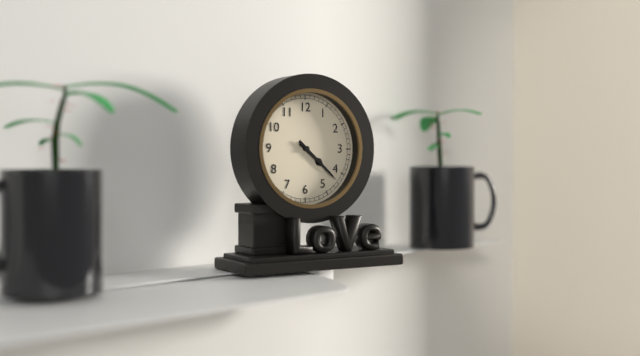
4,22
